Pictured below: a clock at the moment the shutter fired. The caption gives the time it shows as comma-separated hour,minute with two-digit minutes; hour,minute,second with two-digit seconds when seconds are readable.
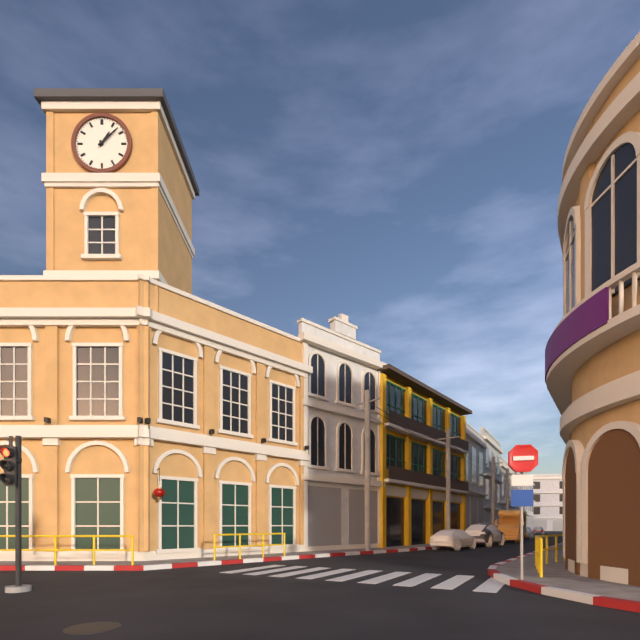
1,08
